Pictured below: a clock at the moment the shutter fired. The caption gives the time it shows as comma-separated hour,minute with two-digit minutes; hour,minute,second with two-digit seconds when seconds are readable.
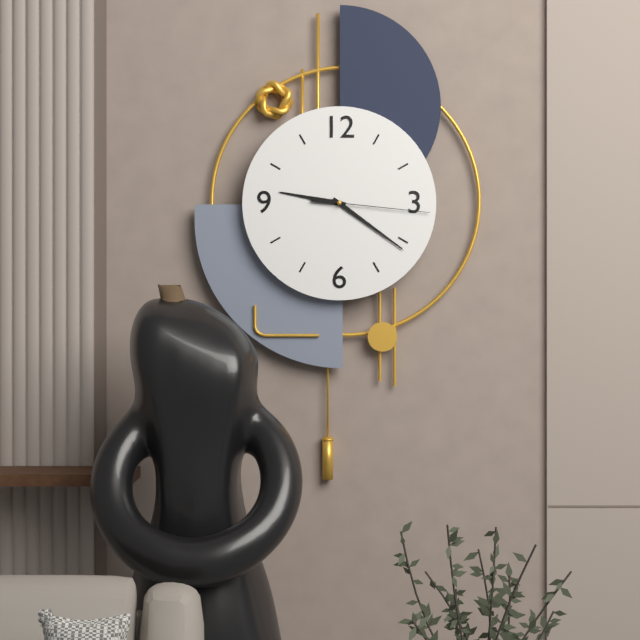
9,21,16
